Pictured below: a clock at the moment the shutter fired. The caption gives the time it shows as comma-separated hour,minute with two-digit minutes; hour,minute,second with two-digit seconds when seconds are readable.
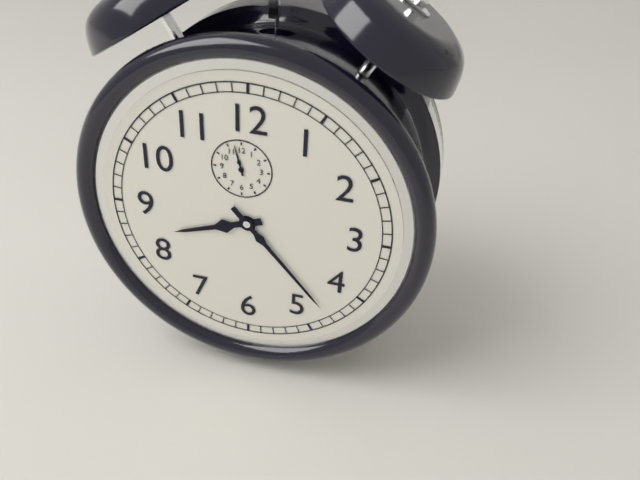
8,23
